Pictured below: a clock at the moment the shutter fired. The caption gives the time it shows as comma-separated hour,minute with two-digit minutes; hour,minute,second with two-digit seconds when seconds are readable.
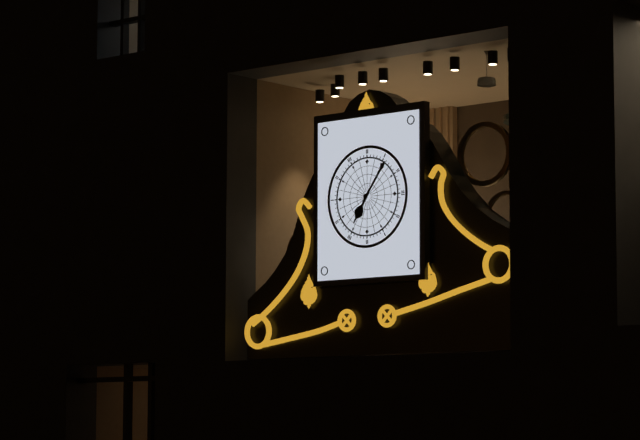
7,06
